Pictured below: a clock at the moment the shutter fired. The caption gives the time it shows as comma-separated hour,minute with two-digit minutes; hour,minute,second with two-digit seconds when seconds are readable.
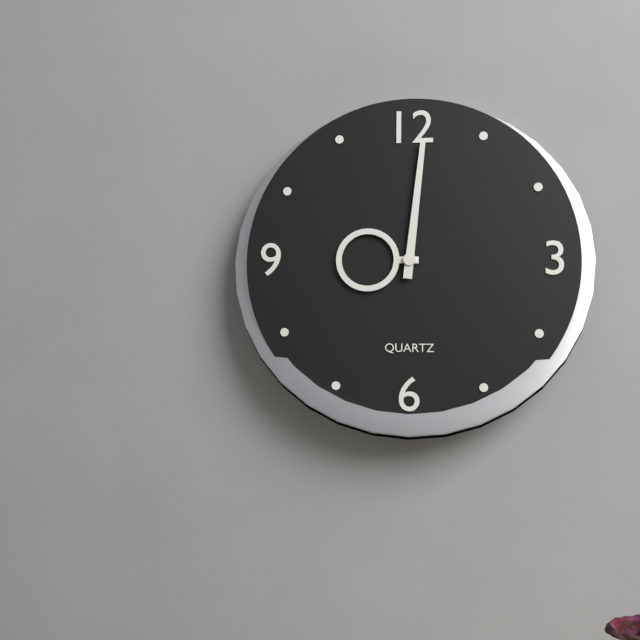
9,01
